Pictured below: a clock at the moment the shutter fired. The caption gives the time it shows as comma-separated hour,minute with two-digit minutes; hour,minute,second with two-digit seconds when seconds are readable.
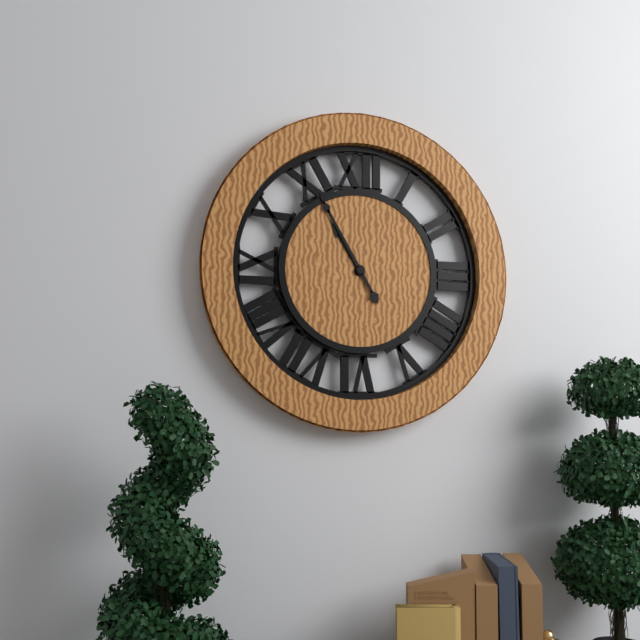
10,55
